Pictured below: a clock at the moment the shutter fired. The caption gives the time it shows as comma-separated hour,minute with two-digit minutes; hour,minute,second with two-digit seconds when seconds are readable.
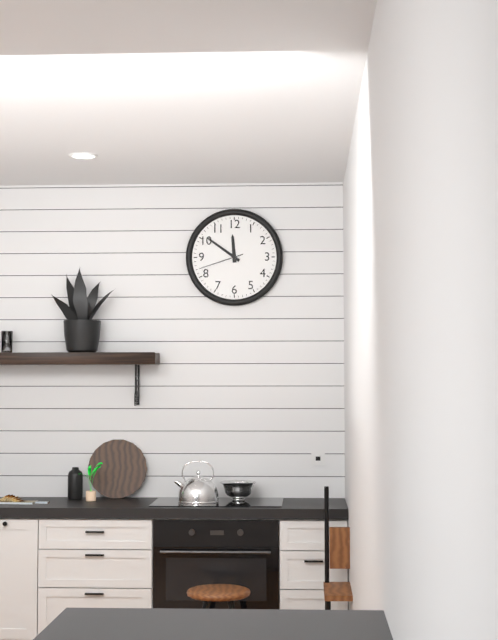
11,51
